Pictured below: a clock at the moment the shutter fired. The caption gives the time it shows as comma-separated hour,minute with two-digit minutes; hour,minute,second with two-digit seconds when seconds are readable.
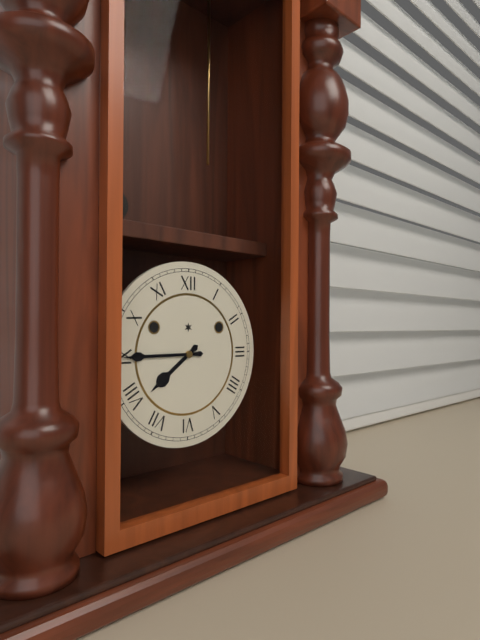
7,45
